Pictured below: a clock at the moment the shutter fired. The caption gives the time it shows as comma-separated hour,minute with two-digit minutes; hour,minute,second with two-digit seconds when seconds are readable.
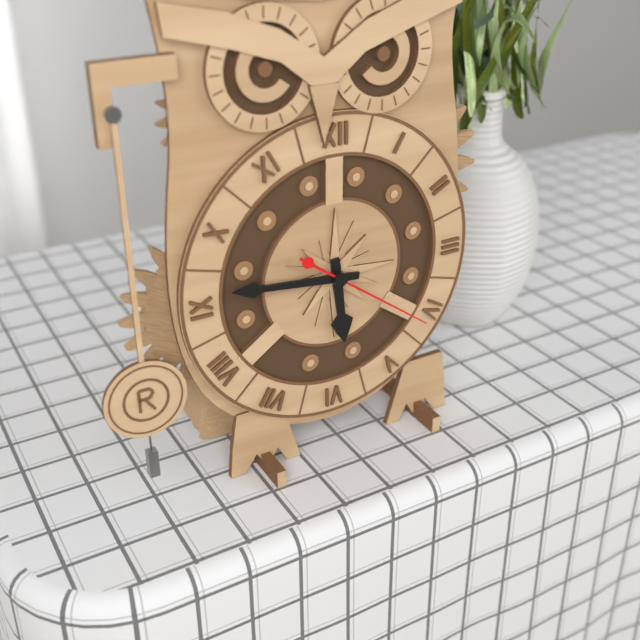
5,46,21
